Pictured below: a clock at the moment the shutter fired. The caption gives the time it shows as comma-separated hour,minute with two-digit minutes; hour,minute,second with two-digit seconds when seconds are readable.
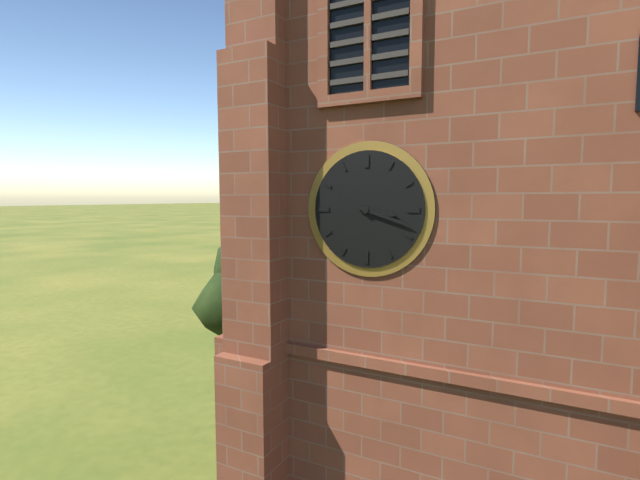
3,18
